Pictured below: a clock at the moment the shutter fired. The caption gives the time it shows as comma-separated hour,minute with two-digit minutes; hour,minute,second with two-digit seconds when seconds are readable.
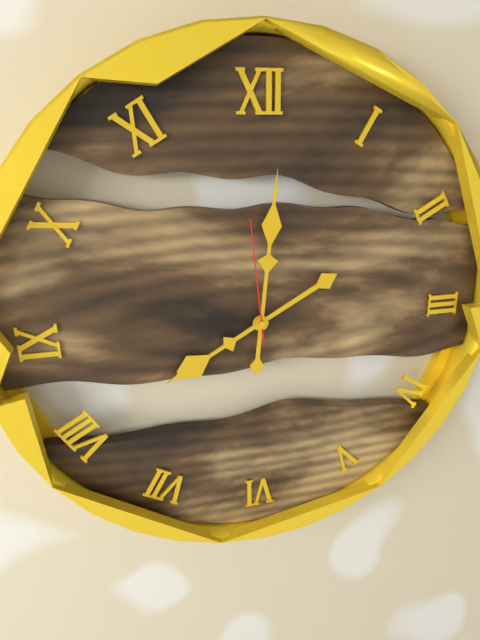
8,01,59
